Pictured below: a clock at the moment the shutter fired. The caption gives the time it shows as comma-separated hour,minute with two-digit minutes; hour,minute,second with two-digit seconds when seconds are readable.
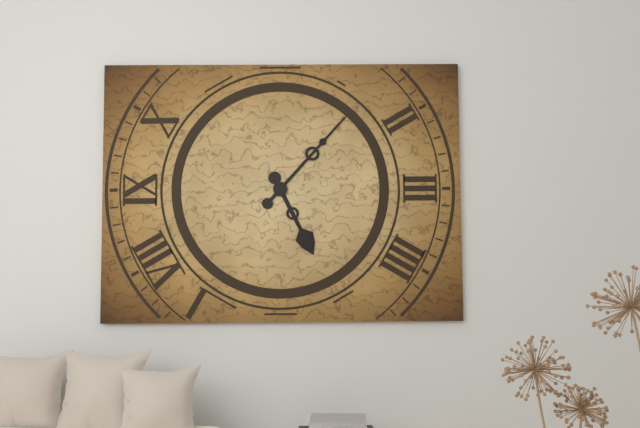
5,07
